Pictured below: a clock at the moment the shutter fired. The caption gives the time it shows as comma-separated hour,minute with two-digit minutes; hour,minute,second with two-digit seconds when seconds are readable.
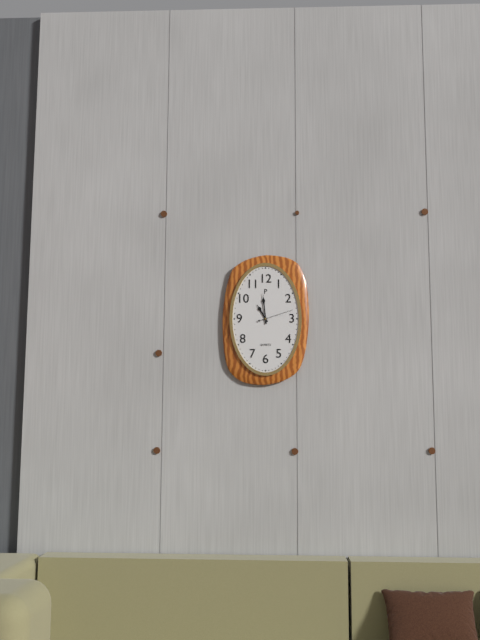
10,59
